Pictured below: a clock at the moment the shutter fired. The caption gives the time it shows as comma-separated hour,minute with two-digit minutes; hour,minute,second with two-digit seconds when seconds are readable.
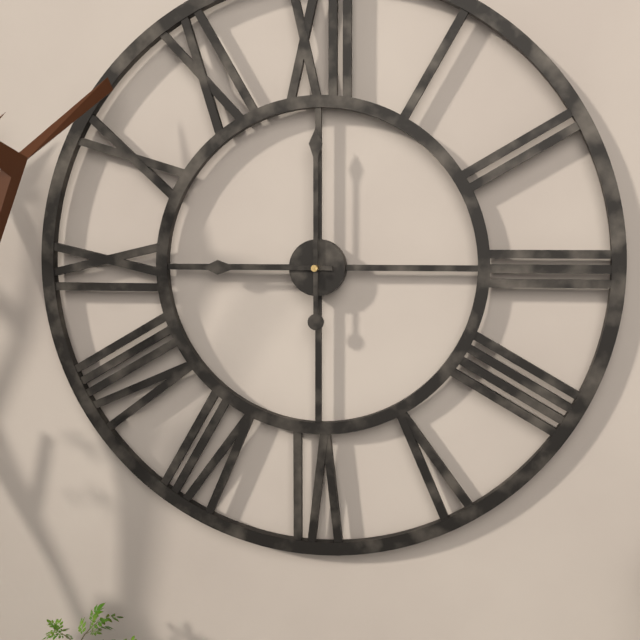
9,00
